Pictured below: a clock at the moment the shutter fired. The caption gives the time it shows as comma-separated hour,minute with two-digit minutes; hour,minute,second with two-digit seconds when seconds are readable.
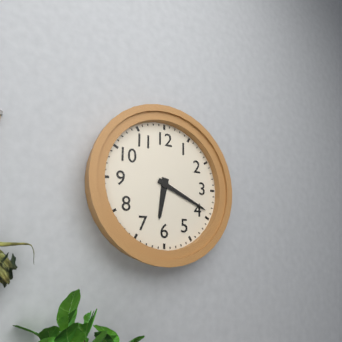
6,19
